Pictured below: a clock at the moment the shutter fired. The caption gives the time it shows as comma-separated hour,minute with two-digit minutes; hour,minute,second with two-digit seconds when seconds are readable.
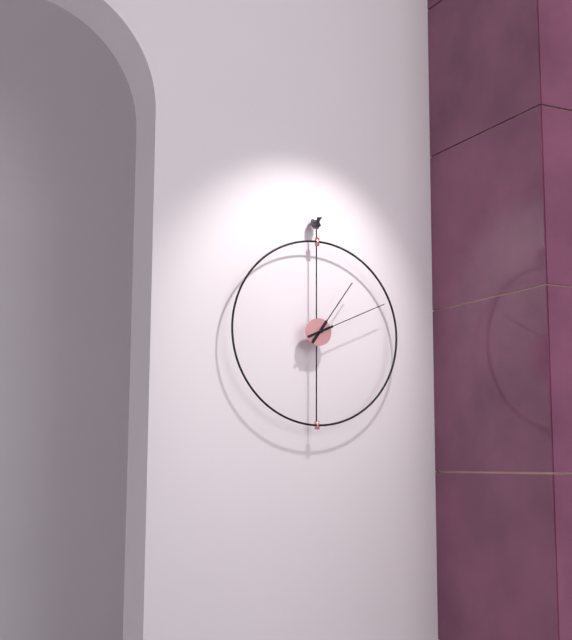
1,11
